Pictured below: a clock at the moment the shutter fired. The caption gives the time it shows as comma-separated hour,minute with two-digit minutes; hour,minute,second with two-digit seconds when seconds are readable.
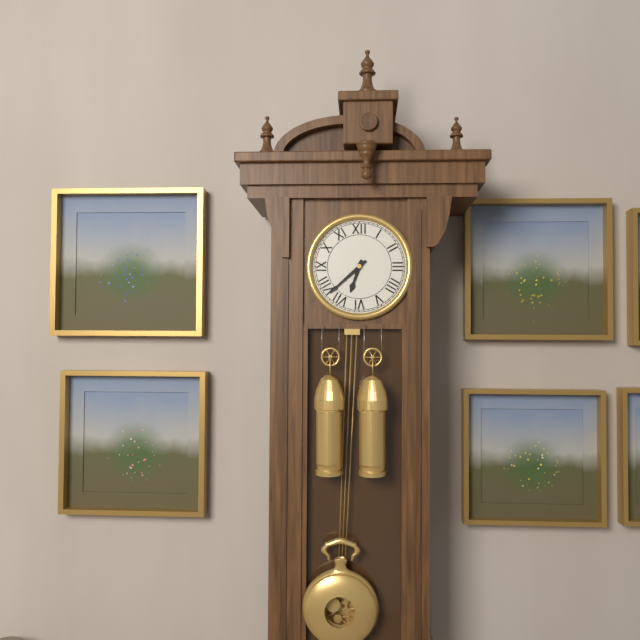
6,38
